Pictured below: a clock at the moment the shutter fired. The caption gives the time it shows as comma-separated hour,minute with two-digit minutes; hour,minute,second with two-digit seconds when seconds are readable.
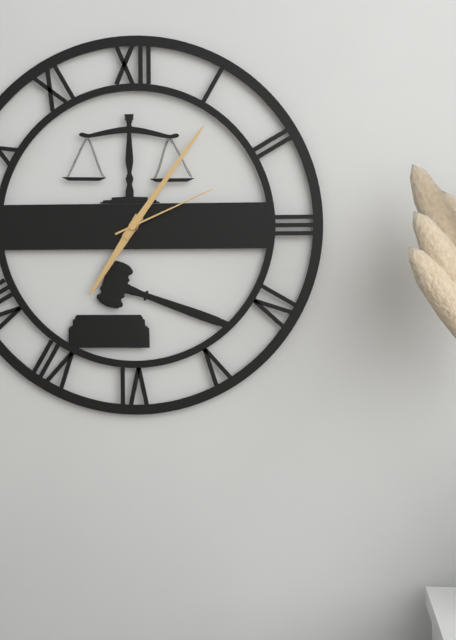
7,06,11
